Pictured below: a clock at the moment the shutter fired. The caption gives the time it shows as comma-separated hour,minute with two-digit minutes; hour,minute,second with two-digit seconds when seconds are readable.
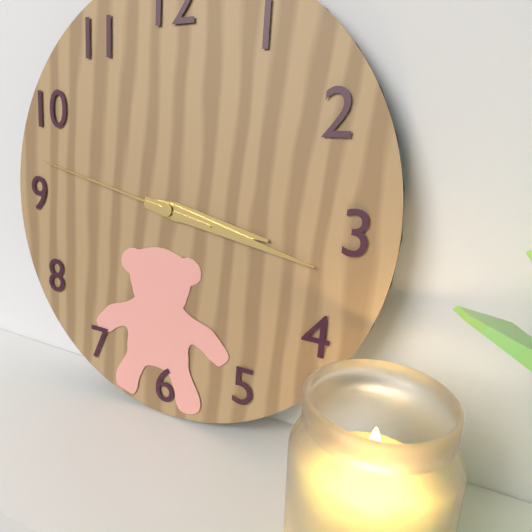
3,17,47
